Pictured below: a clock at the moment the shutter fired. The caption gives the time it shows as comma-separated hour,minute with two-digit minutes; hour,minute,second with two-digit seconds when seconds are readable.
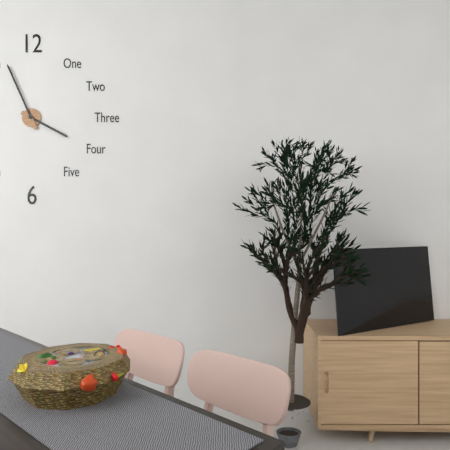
3,56
